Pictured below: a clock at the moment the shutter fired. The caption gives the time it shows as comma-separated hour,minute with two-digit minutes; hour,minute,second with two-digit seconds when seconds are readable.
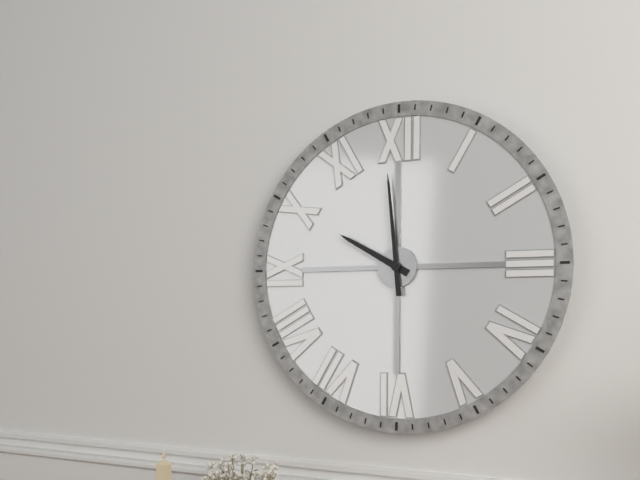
9,59
